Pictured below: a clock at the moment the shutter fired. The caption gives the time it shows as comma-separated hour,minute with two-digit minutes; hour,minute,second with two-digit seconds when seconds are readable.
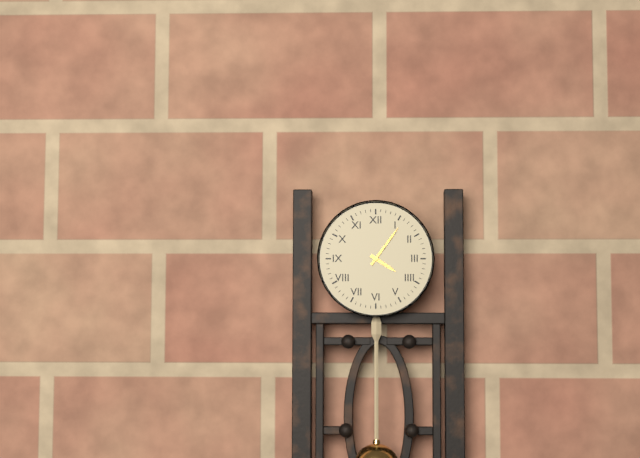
4,06
